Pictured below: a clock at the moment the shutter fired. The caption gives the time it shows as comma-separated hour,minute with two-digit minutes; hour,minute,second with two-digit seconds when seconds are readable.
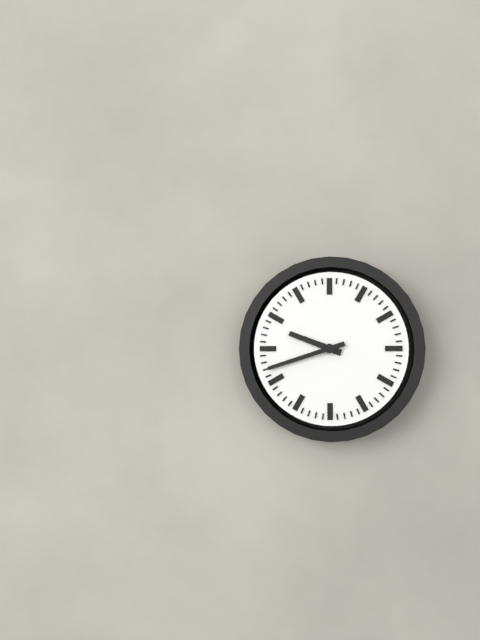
9,42
